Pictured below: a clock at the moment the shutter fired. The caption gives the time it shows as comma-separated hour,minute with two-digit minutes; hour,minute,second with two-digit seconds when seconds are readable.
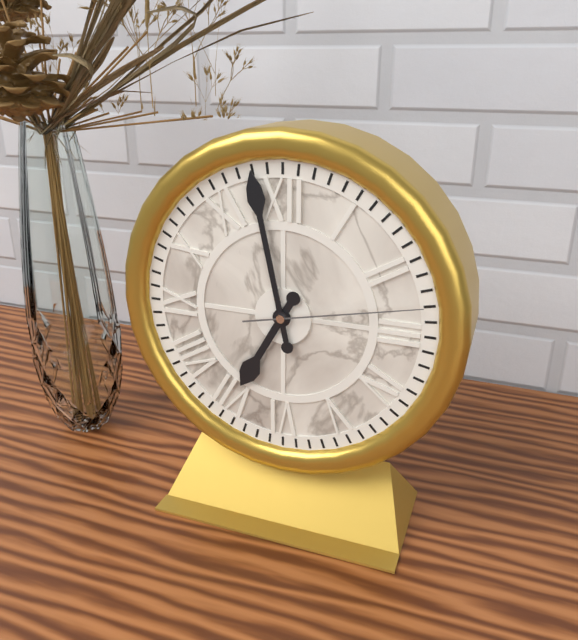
6,58,13
